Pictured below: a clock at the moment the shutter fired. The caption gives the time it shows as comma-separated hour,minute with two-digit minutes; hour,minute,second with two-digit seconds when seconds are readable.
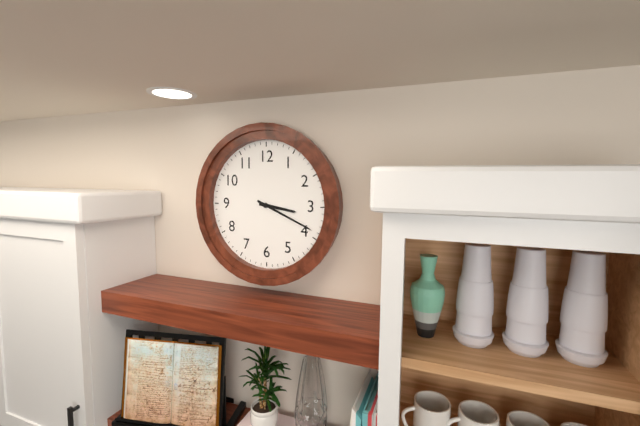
3,19
